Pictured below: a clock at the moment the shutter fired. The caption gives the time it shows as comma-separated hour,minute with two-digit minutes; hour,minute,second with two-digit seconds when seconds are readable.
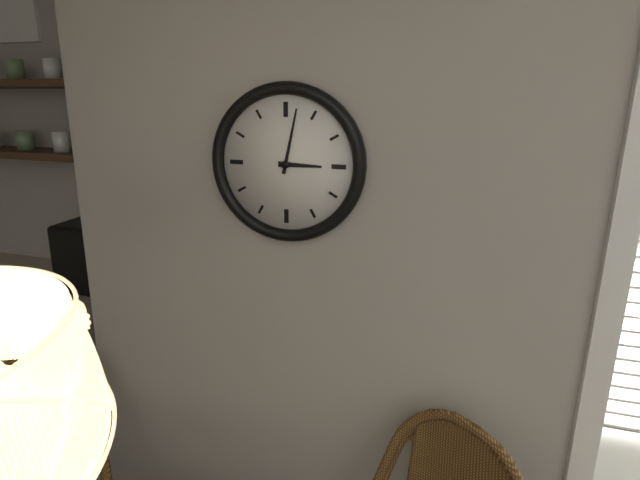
3,02
